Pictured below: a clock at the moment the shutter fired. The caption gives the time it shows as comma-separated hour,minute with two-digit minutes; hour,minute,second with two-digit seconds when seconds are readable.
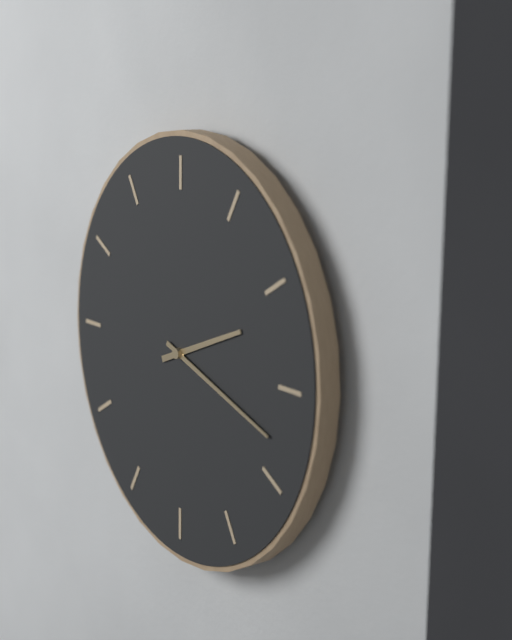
2,18
